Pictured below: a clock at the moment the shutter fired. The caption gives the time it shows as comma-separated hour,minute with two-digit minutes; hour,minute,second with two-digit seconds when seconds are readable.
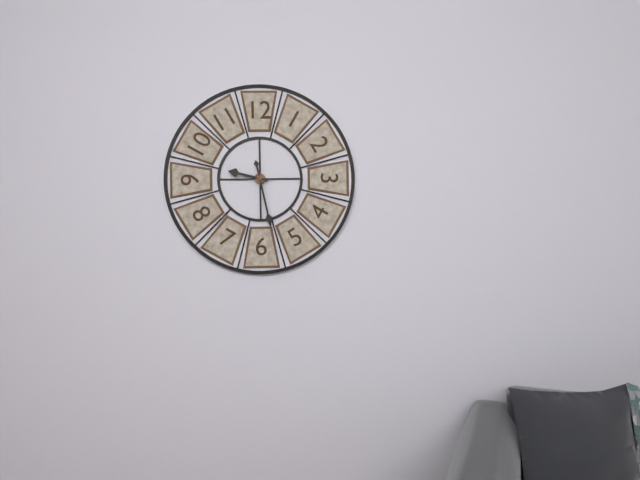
9,28
